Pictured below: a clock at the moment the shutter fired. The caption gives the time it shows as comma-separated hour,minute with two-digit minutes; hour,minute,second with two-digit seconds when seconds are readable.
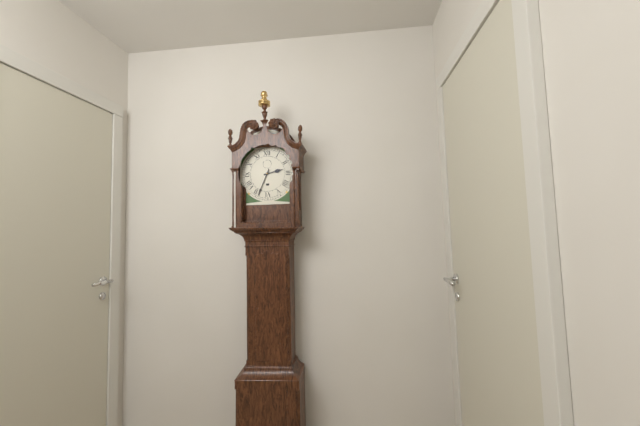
2,34
